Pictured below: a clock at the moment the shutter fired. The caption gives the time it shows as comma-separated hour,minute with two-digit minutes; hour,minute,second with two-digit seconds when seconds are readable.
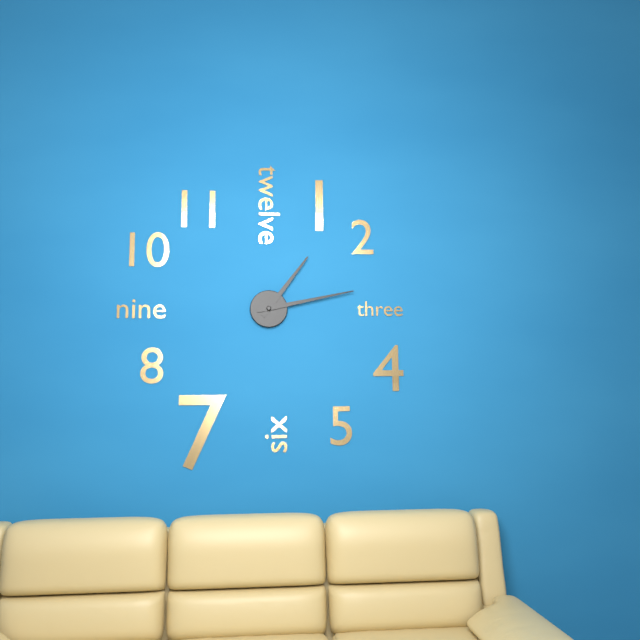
1,13
